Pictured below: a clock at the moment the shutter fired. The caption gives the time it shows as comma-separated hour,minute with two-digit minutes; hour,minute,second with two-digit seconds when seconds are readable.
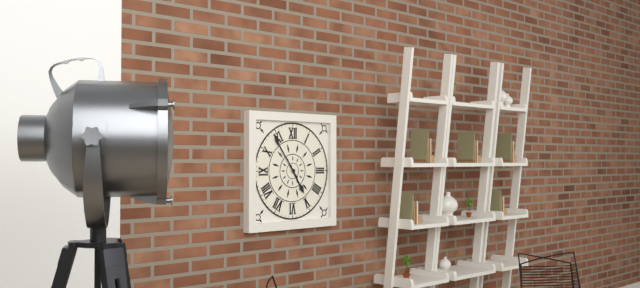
4,54
